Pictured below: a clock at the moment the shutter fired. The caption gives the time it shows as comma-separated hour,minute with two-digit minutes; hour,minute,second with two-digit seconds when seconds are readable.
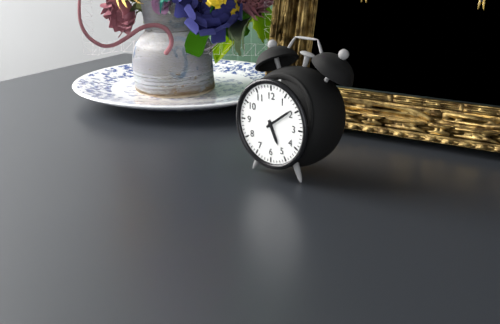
5,09
